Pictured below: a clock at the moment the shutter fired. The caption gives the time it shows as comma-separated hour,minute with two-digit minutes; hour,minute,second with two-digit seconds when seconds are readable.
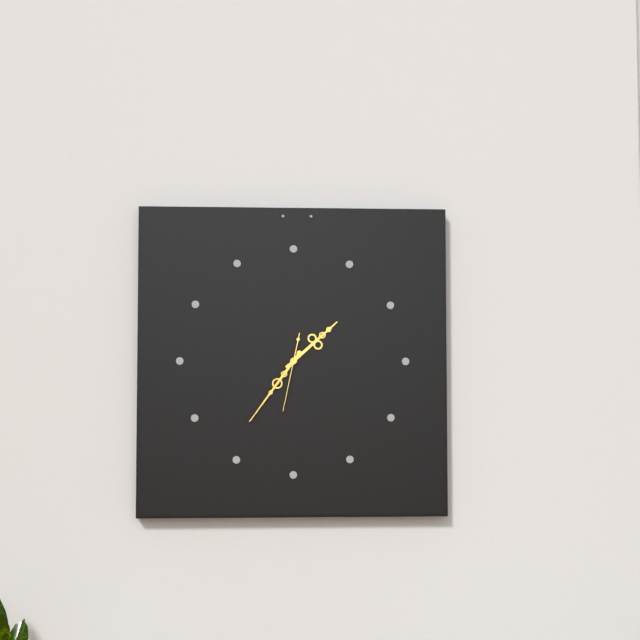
1,36,32
